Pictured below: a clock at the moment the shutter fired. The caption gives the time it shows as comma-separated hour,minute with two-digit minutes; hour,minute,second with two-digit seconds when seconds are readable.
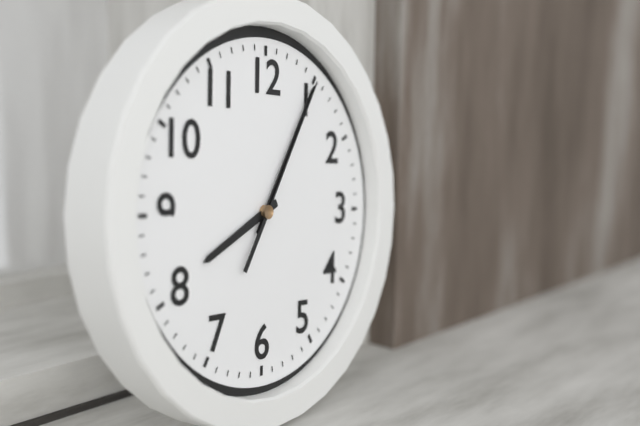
8,05,05
